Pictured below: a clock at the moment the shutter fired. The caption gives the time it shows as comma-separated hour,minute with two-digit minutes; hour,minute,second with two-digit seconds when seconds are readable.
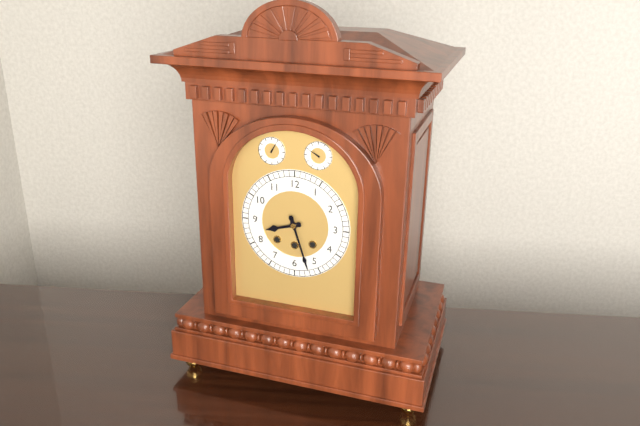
8,27
